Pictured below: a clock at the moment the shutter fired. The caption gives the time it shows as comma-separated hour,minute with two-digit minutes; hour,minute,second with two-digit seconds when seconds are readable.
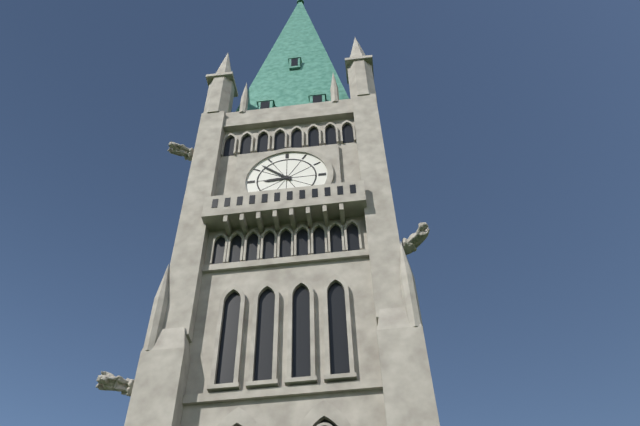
8,52
